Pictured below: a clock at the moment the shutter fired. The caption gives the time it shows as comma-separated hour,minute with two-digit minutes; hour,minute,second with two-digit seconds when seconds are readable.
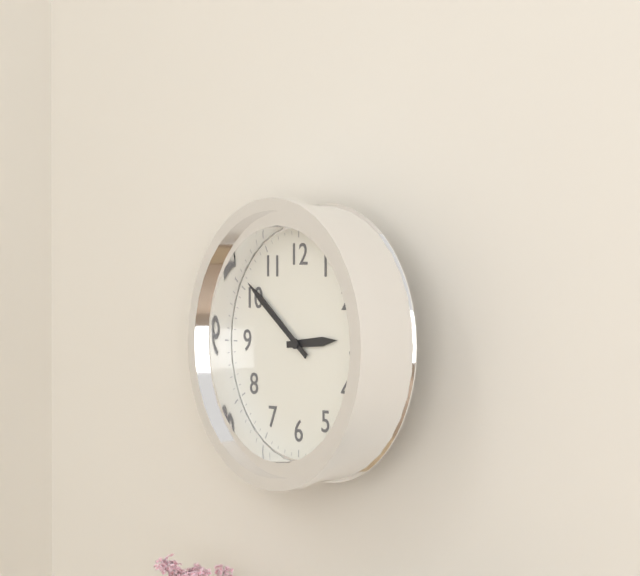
2,51
